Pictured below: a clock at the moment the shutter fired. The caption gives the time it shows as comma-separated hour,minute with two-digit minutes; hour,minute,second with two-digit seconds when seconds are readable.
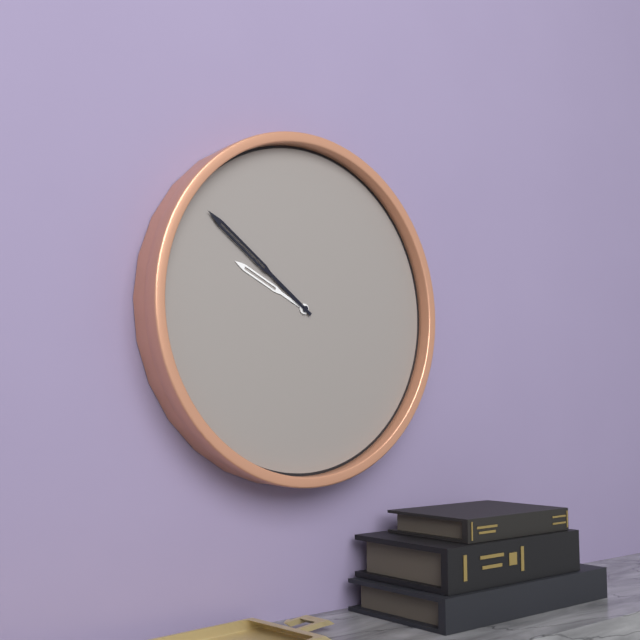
9,51
